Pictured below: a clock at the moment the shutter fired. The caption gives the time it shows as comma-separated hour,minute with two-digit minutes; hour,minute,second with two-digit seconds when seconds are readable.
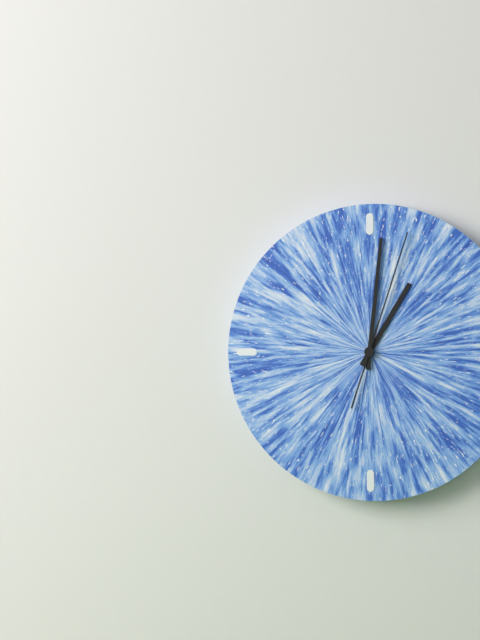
1,01,03
